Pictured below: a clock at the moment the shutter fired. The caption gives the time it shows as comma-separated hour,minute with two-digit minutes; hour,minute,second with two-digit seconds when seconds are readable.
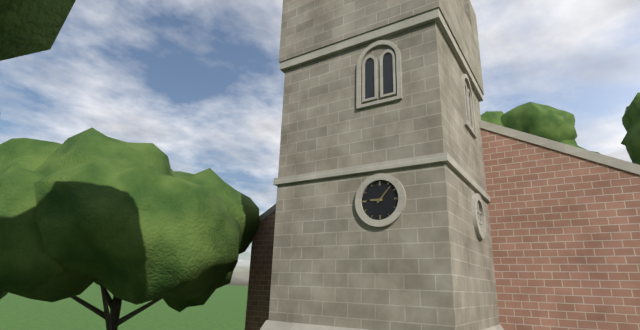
9,07
